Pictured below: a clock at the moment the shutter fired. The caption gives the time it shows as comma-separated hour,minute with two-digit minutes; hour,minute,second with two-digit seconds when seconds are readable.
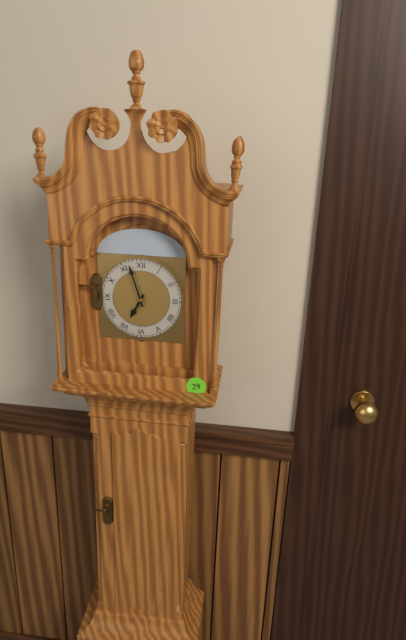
6,57
